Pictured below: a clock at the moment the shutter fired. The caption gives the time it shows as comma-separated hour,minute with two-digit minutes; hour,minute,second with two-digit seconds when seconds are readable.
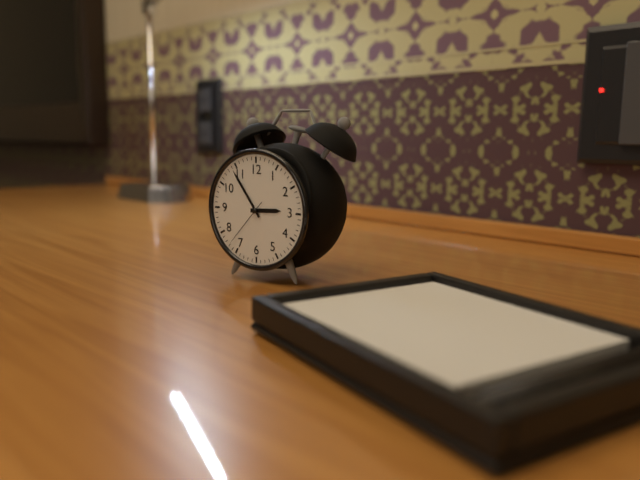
2,54,37
